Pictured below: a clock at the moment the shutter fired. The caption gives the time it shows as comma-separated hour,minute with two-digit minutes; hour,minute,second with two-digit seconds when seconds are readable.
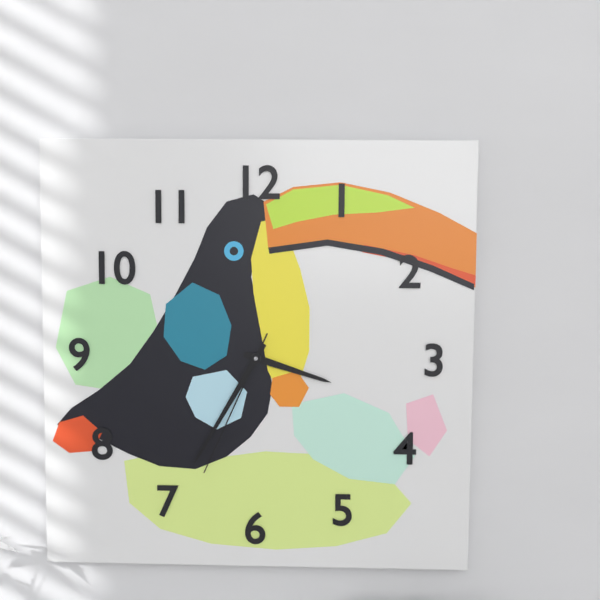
3,35,34
